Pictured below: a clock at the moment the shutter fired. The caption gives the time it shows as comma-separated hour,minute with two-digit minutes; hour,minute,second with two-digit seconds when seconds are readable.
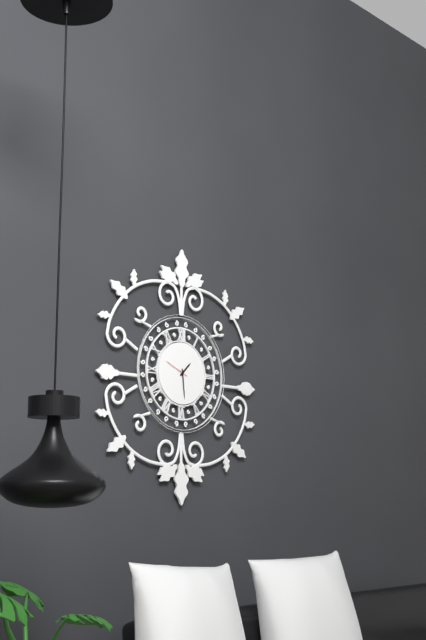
1,29
